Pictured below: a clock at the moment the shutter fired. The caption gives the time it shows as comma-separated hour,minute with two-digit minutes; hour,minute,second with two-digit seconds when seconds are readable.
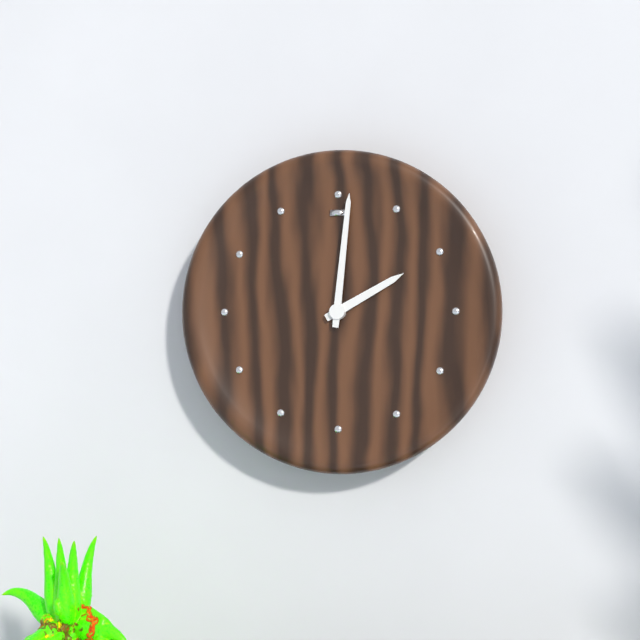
2,01
